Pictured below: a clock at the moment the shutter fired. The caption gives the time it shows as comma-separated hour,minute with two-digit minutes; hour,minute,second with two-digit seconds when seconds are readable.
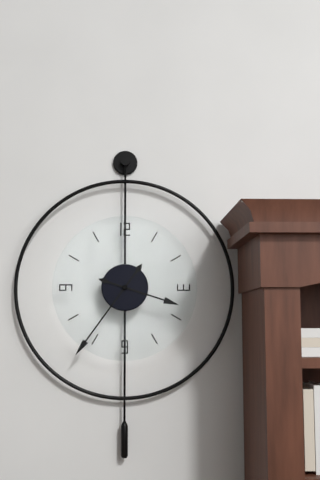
3,36
